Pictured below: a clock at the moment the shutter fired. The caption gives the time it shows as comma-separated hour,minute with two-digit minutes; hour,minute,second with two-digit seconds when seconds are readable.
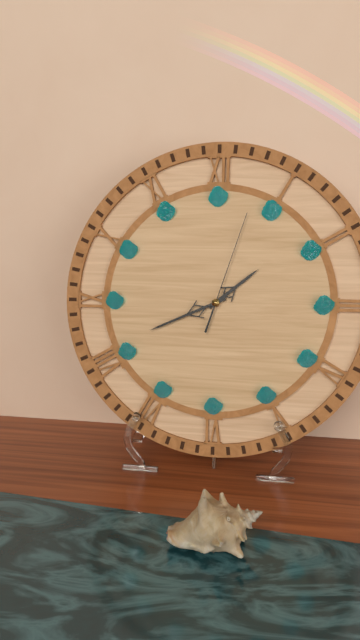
1,41,03
